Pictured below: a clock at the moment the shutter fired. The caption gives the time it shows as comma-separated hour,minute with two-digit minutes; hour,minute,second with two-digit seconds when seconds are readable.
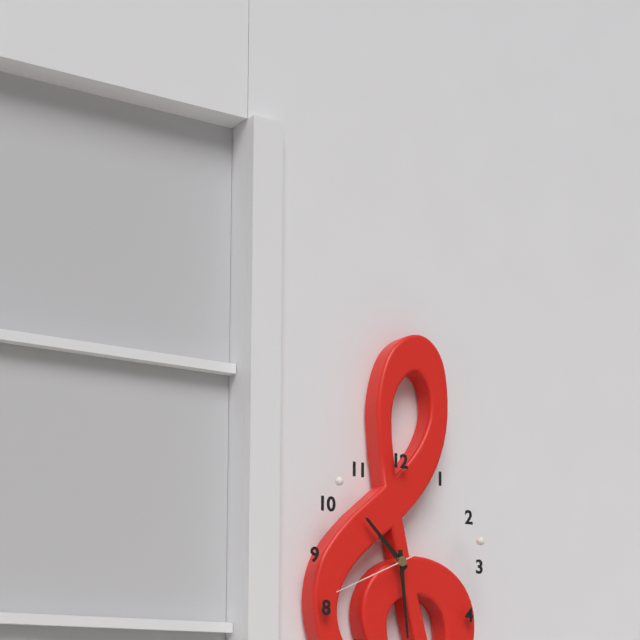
10,29,41
